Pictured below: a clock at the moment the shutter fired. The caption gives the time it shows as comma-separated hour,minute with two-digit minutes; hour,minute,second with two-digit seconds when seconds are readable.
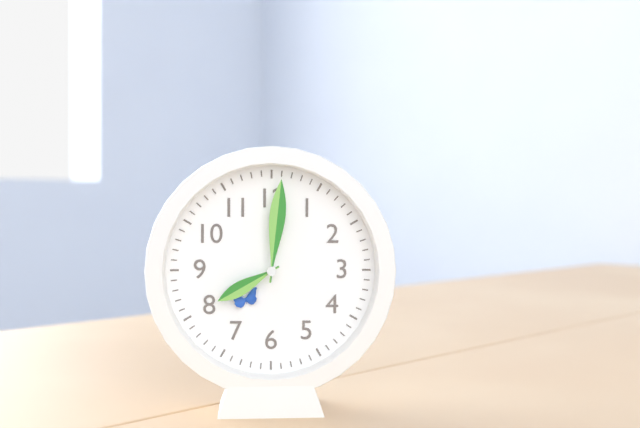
8,01
